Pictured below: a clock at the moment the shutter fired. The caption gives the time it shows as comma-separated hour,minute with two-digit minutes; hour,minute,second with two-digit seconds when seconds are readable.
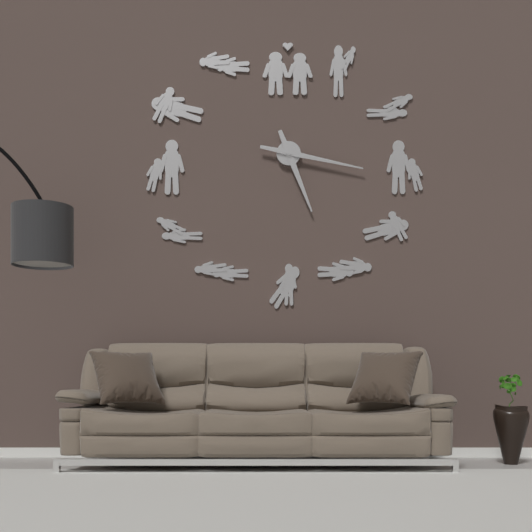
5,17
